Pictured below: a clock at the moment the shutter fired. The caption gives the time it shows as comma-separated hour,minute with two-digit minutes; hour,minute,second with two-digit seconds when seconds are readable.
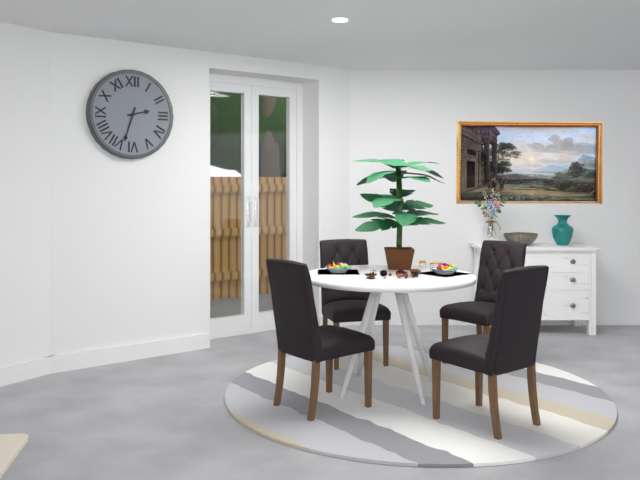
2,33
